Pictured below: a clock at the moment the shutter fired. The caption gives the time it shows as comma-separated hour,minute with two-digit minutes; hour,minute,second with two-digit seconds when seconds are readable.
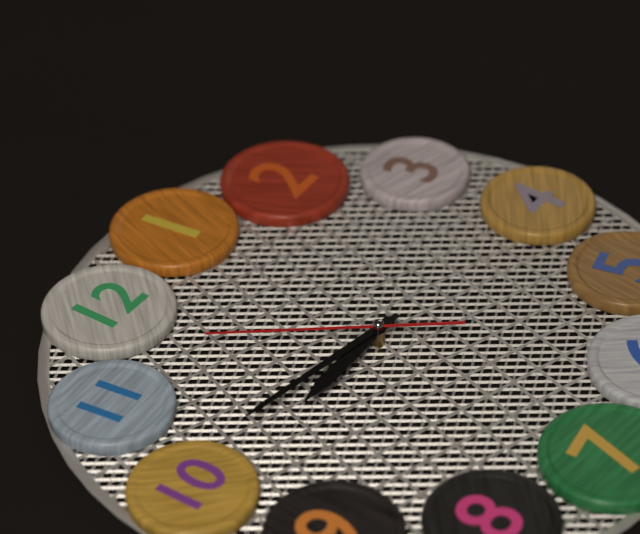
9,51,58
